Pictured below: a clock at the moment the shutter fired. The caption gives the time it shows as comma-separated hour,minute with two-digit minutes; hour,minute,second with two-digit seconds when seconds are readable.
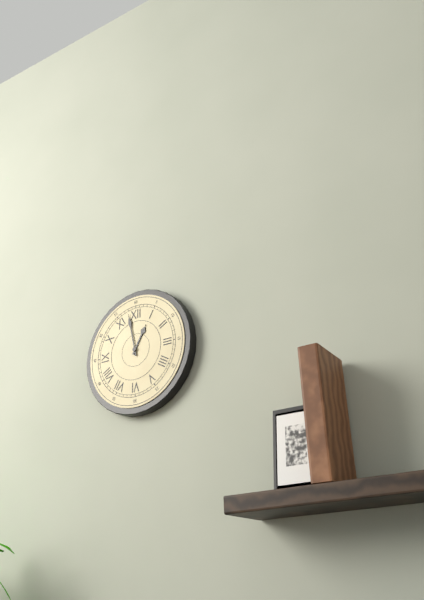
12,58
